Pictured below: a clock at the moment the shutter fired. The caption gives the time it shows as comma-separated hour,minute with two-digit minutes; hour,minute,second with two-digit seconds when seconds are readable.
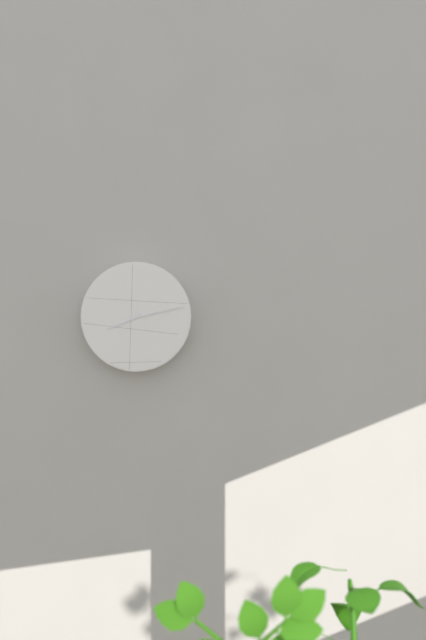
8,13
